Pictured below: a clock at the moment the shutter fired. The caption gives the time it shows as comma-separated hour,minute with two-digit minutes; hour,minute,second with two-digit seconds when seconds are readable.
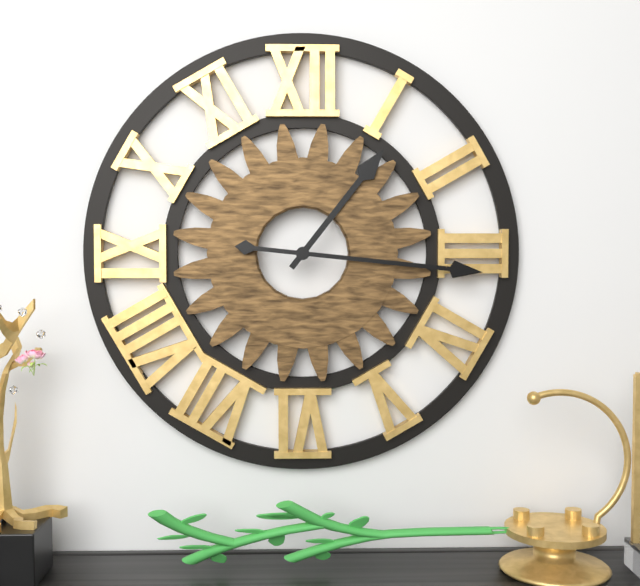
1,16
